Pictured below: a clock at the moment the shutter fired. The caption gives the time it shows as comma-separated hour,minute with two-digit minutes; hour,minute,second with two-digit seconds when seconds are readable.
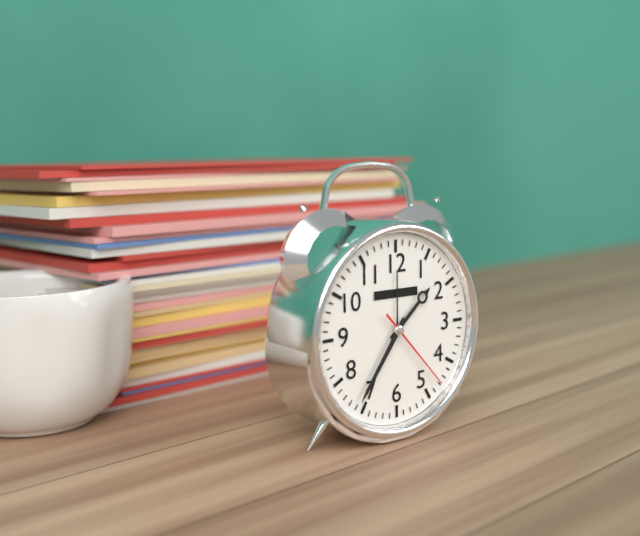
1,36,23
